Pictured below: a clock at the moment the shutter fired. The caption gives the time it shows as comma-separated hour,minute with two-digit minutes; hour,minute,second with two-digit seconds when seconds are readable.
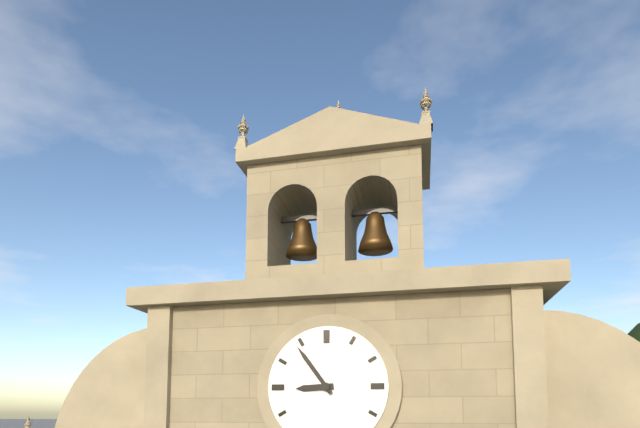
8,54
